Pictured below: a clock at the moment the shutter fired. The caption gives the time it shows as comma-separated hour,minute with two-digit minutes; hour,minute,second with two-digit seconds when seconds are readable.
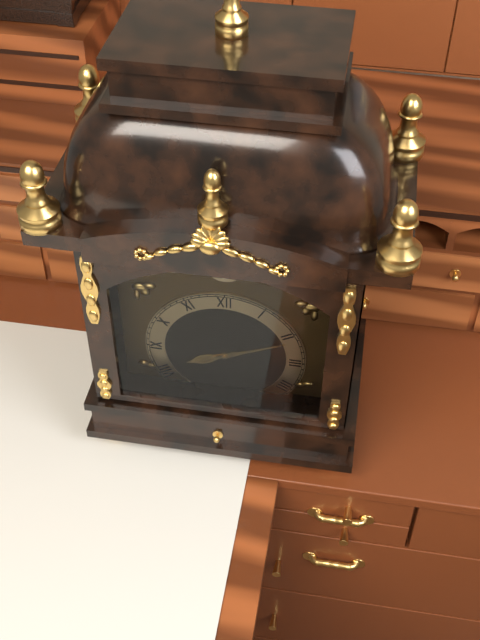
8,11
